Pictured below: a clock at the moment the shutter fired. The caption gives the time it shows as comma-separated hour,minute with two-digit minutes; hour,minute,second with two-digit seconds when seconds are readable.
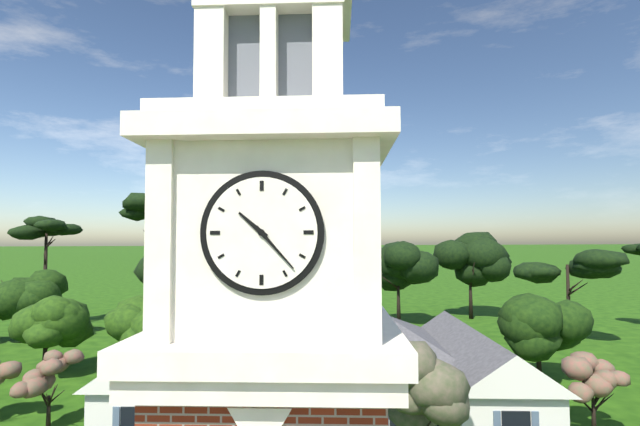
10,23
